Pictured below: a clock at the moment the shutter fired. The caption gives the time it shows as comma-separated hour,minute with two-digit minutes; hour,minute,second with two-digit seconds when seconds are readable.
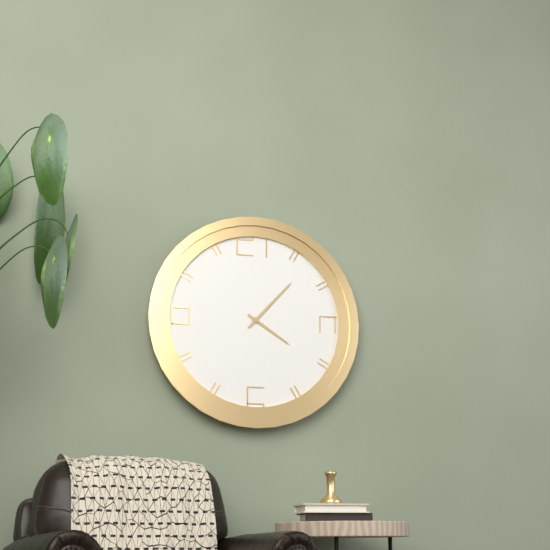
4,07
